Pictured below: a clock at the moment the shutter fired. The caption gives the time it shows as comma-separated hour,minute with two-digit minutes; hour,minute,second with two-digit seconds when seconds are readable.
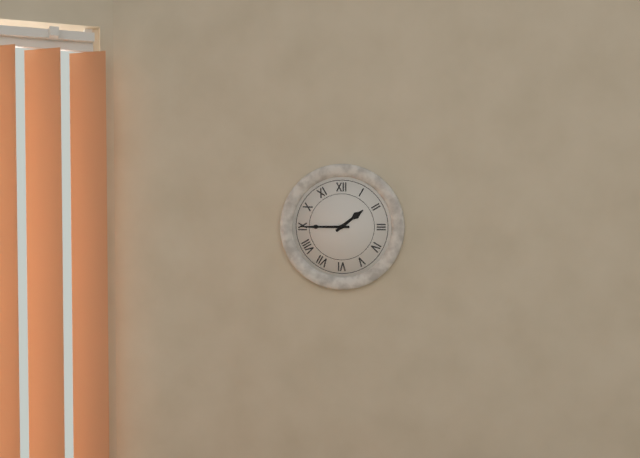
1,45
